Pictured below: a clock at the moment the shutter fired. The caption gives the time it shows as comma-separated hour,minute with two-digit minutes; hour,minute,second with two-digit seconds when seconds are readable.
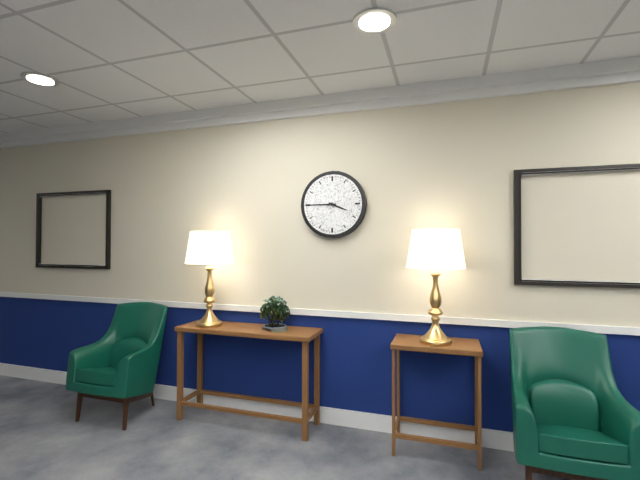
3,45
